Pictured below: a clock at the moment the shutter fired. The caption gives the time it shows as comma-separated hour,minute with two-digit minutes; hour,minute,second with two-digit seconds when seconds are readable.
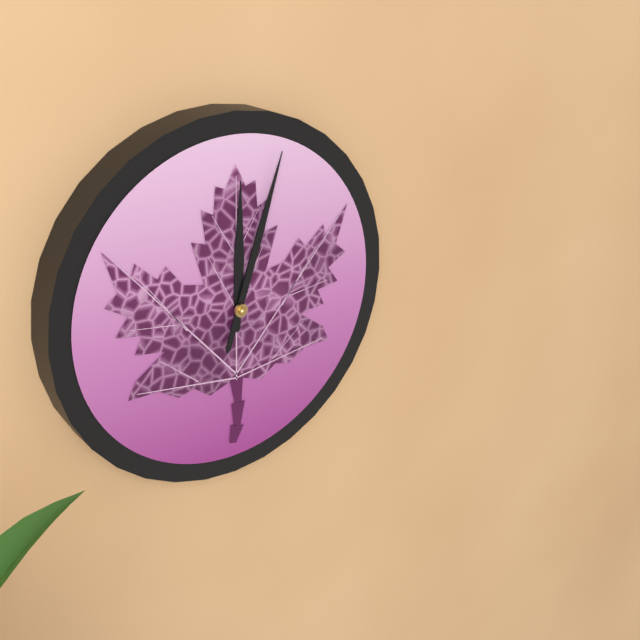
12,03
